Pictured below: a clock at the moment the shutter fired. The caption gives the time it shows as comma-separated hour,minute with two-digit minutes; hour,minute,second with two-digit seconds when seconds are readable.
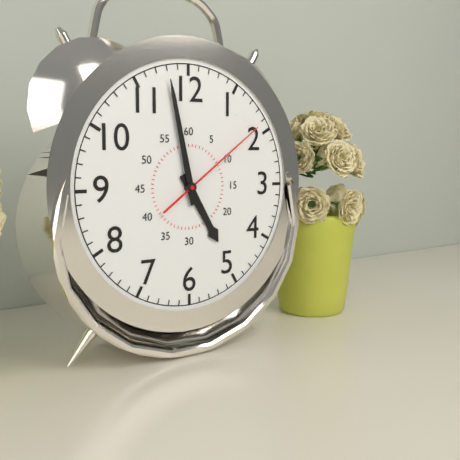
4,58,09
